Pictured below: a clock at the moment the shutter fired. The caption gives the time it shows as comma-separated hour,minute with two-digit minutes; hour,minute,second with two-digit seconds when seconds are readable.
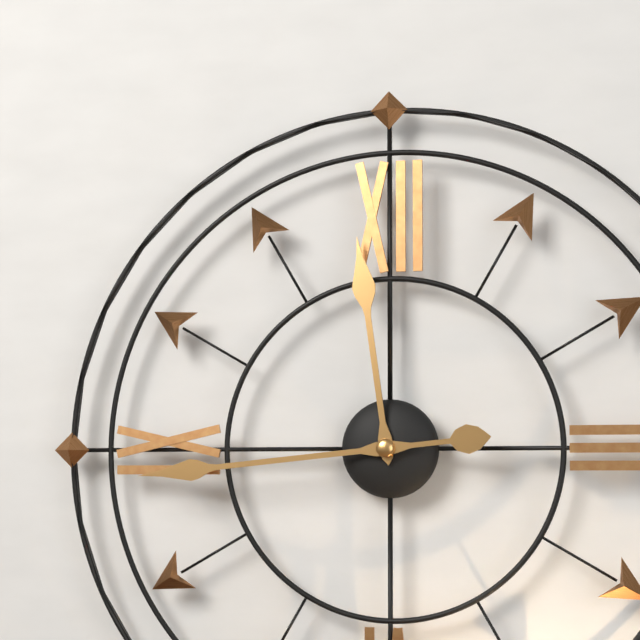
11,44
